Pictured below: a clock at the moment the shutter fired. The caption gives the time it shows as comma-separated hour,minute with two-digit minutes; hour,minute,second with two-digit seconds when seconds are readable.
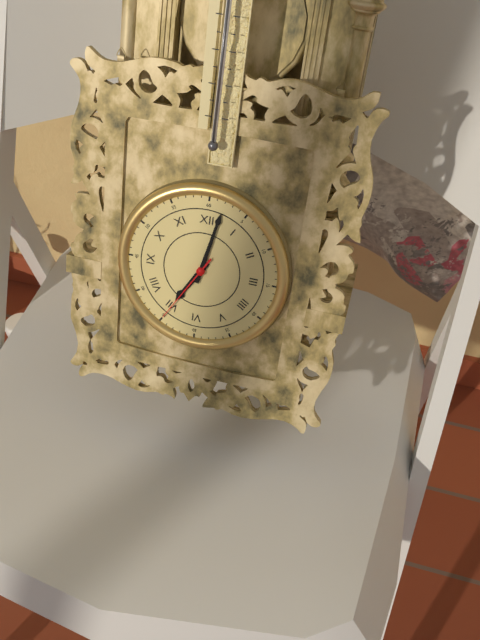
7,02,35
